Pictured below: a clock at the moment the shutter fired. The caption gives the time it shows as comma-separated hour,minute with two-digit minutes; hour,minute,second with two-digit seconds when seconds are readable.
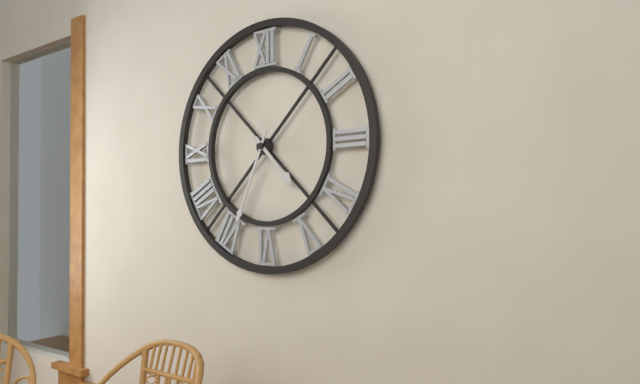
4,34
